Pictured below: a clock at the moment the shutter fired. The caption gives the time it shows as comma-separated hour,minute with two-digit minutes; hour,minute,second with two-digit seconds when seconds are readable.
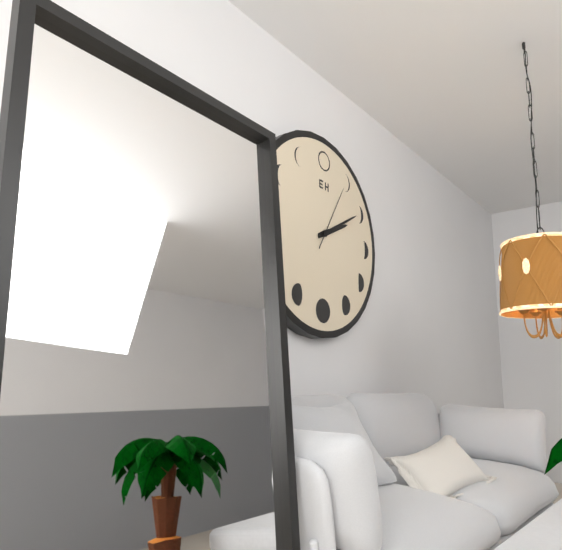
2,10,05
